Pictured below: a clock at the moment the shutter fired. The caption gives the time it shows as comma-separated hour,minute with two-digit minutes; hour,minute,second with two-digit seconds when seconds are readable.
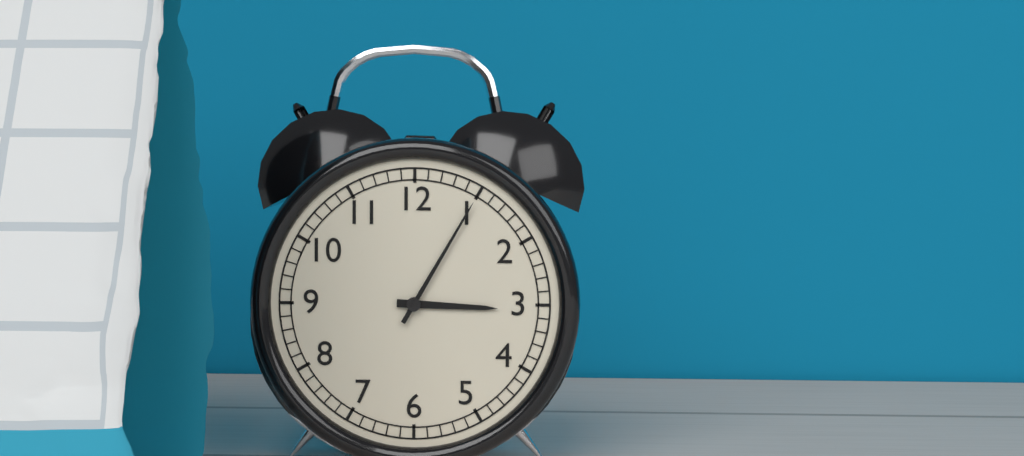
3,05
